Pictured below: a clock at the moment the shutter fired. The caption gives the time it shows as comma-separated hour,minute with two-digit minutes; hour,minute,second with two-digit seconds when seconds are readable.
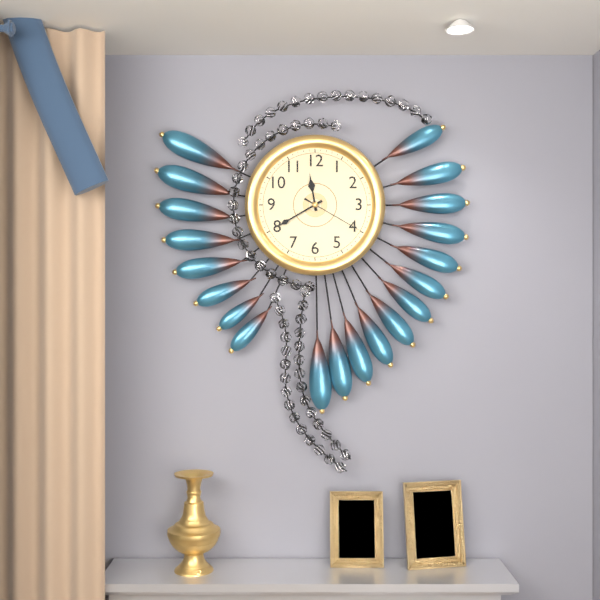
11,40,20
